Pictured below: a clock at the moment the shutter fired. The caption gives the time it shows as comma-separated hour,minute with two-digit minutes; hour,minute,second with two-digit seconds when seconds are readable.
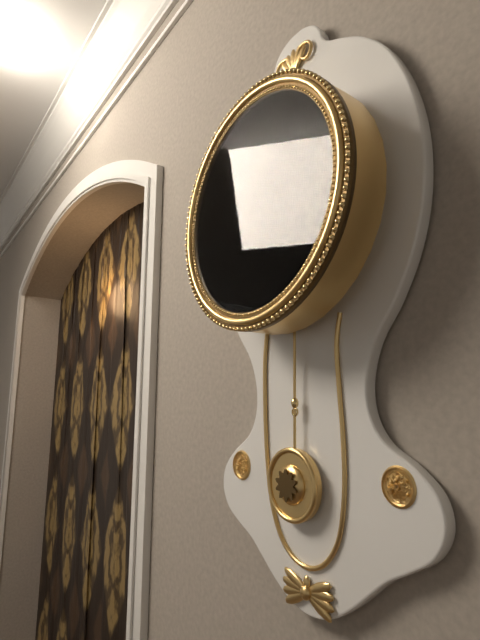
4,33
